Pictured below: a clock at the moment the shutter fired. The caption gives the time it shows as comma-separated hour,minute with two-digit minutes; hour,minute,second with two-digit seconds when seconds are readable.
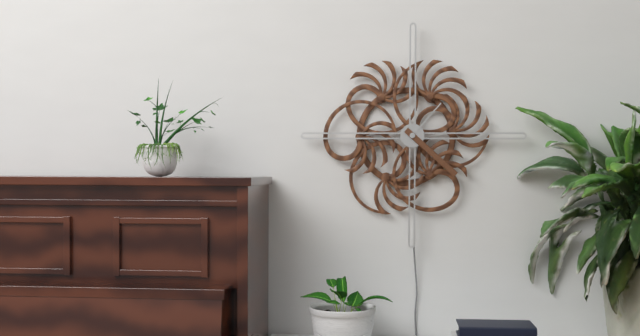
1,22
